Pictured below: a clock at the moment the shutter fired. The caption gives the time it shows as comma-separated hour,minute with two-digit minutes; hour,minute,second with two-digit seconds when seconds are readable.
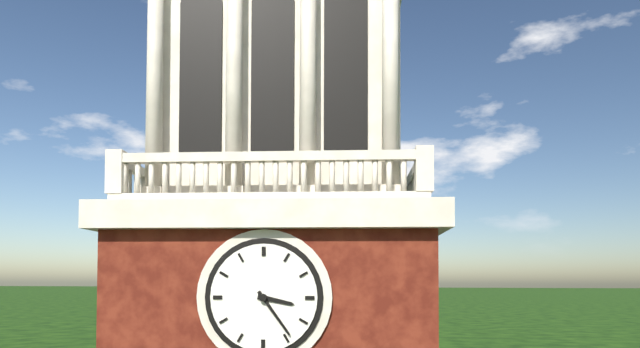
3,24
